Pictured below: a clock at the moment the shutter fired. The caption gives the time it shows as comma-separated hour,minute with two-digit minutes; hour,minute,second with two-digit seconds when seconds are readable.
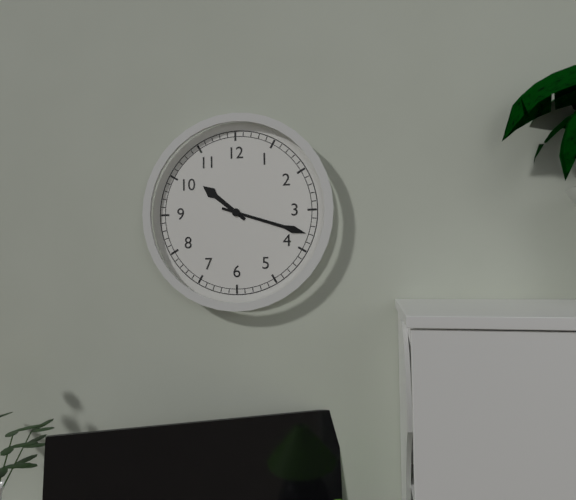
10,18
